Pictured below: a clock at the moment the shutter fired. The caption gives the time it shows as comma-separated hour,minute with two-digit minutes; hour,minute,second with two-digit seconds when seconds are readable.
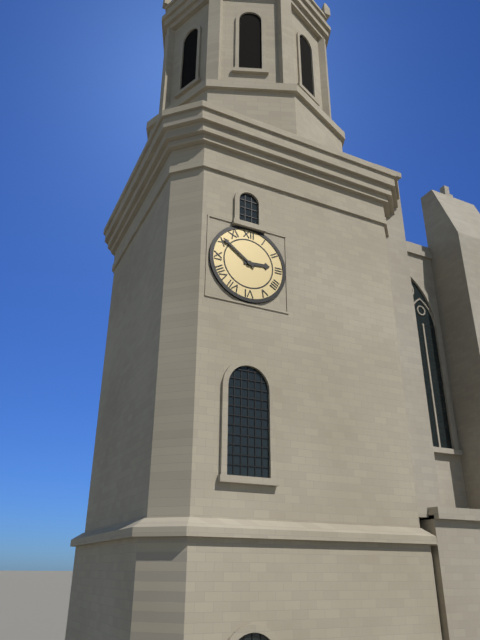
2,51
